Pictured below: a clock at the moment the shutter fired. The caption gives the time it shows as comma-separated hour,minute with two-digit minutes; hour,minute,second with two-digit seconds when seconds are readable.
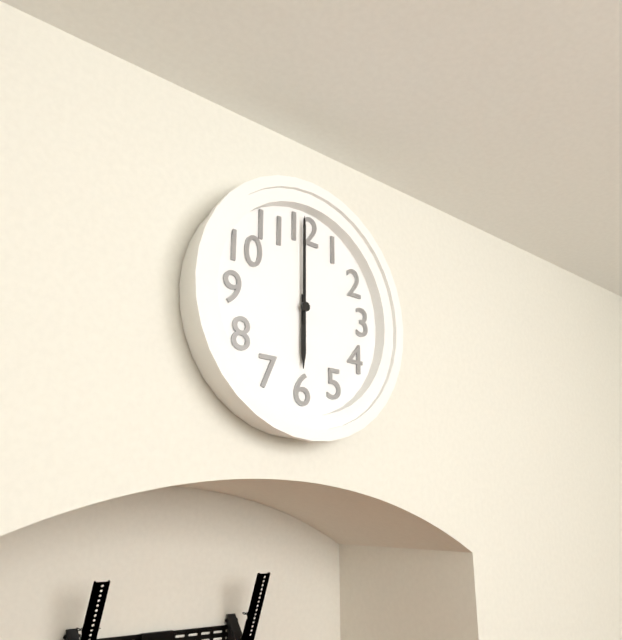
6,00
